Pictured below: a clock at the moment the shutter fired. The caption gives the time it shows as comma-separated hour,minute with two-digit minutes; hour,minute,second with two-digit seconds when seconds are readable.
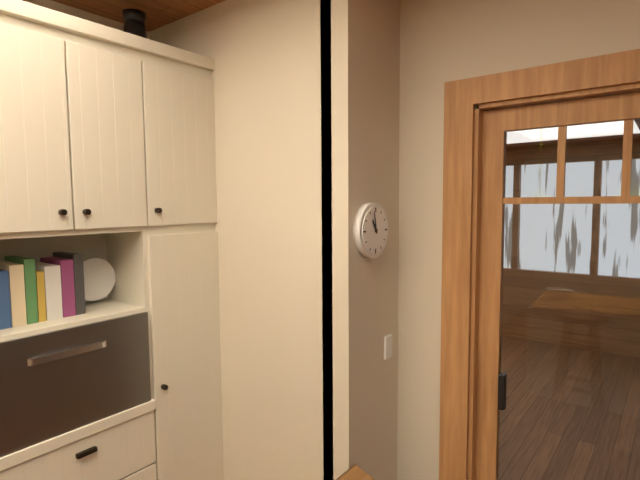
10,58
